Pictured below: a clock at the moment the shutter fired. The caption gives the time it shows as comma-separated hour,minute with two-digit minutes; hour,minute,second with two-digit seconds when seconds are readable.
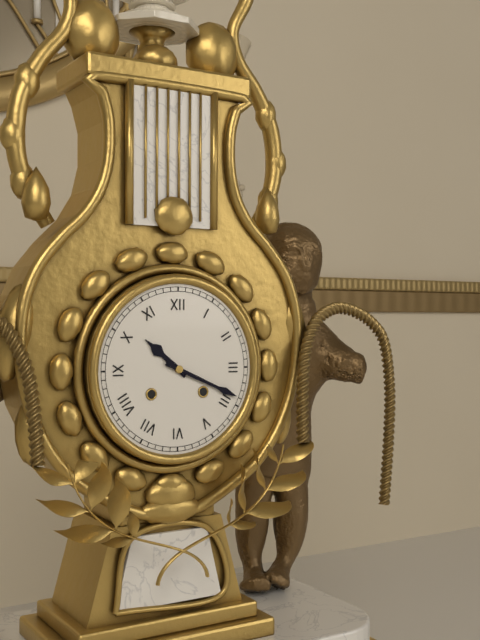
10,19
